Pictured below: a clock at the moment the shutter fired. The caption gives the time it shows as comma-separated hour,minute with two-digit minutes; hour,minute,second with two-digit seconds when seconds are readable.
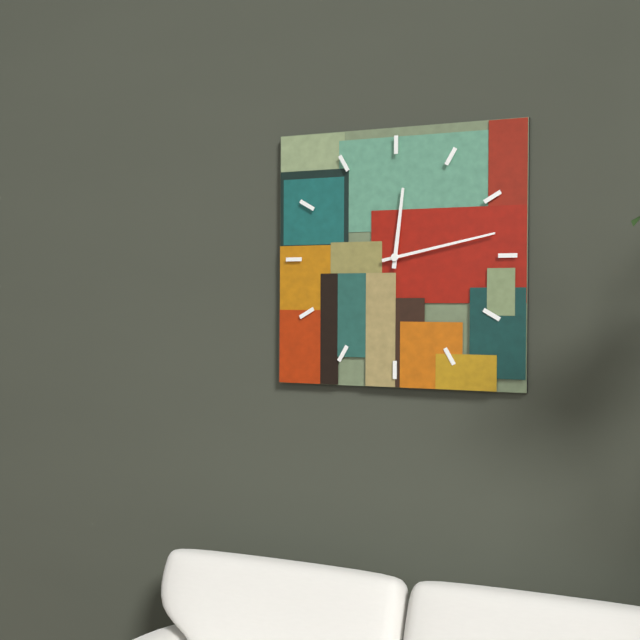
12,13
